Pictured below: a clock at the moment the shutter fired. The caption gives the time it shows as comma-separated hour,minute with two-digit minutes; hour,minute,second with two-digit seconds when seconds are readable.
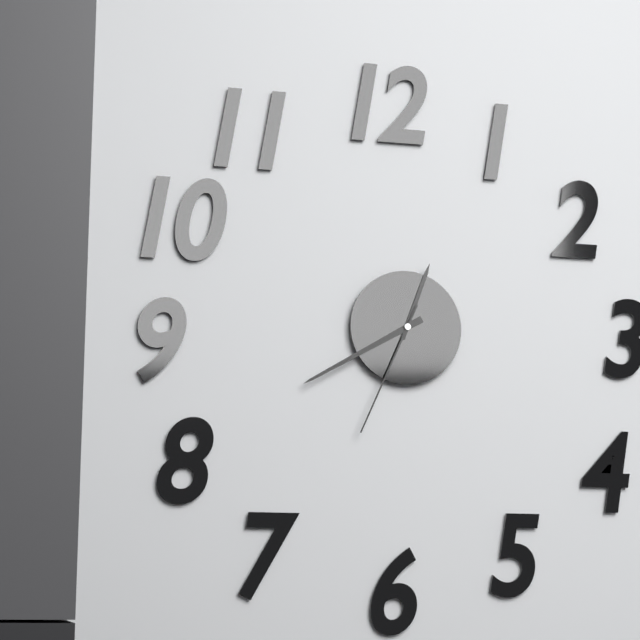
12,40,34
